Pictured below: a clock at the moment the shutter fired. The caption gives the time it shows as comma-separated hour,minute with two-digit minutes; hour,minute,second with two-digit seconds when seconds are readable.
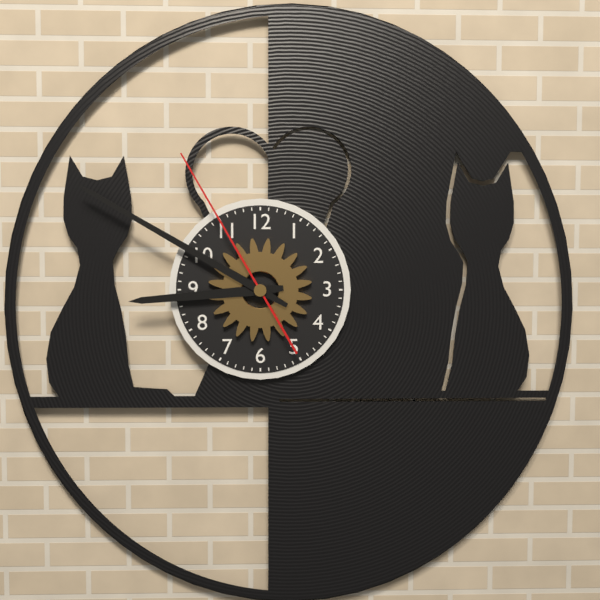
8,50,55
